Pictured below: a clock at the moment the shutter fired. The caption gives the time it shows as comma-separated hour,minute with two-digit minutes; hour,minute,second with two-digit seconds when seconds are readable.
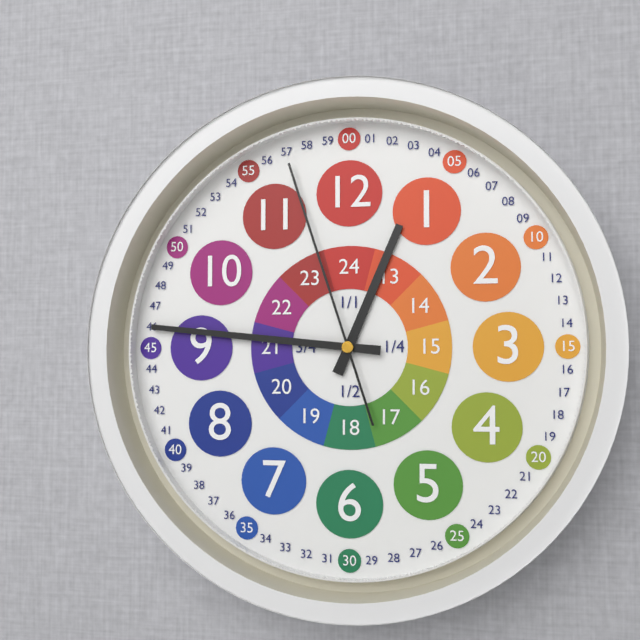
12,46,57
